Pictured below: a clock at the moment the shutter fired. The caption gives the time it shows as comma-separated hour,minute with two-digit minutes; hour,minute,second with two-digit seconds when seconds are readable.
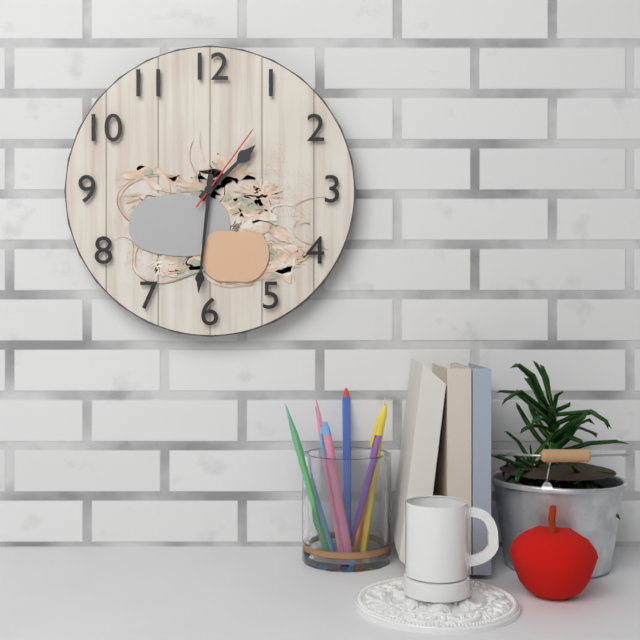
1,31,06
